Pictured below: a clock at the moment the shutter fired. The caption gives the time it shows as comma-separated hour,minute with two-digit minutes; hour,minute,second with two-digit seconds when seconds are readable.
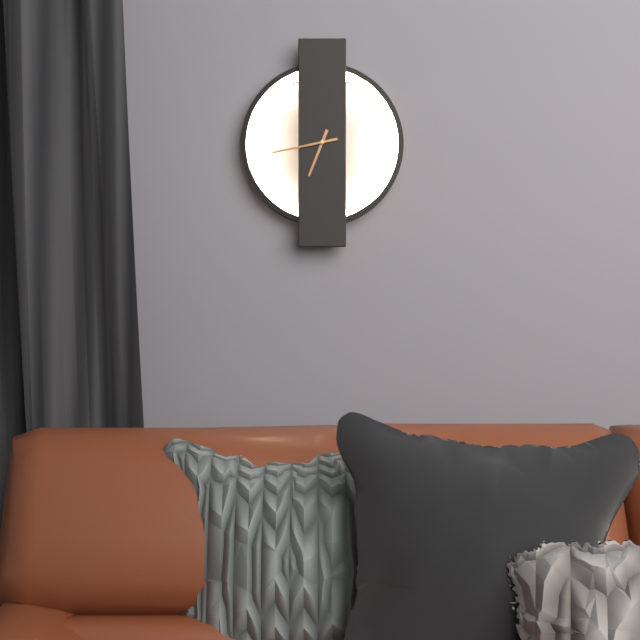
6,43
